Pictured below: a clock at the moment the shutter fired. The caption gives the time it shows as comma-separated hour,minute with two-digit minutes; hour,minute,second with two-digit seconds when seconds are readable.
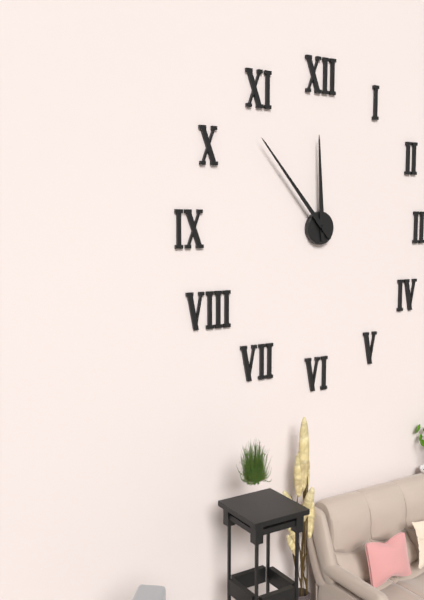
11,53
